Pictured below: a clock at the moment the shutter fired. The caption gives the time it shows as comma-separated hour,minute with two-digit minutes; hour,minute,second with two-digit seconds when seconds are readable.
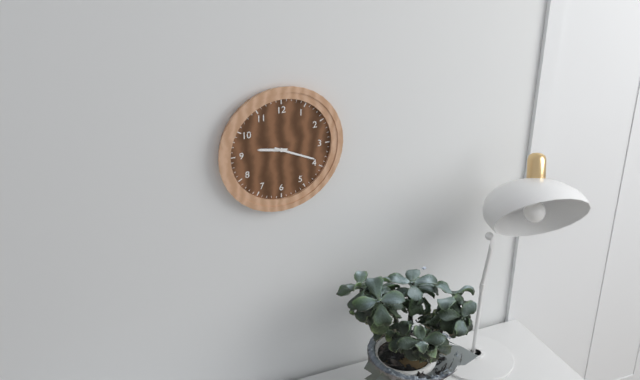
9,19
